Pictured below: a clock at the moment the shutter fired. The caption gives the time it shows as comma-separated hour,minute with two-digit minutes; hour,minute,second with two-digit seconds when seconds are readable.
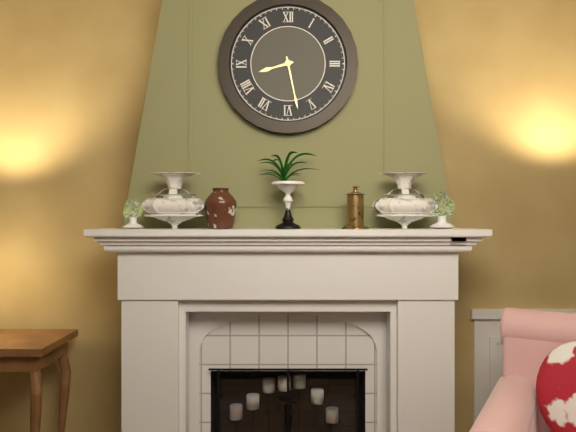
8,28
